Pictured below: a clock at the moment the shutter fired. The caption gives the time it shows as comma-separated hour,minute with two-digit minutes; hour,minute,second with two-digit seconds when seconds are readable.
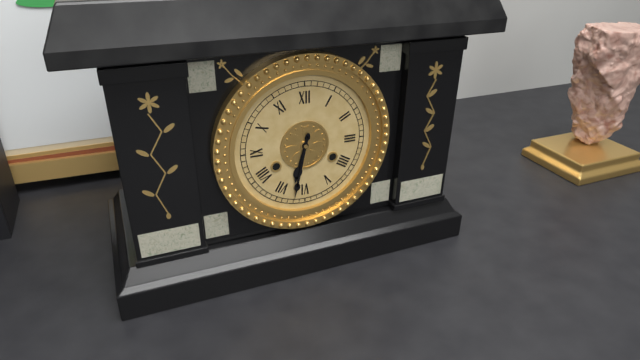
6,32
